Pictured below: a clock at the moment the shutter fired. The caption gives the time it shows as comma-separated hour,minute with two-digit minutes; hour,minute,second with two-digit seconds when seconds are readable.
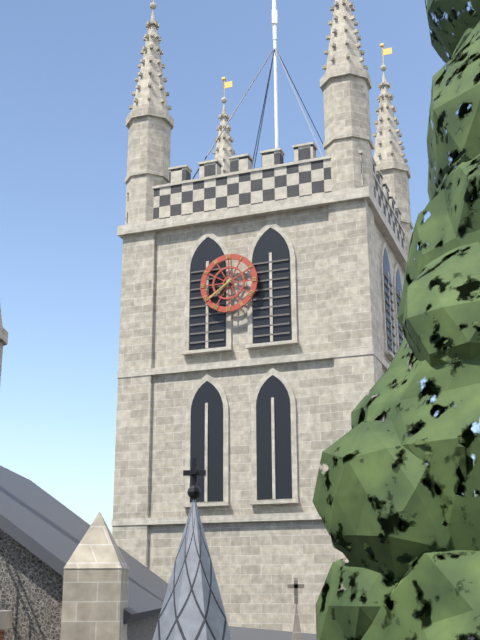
7,39
